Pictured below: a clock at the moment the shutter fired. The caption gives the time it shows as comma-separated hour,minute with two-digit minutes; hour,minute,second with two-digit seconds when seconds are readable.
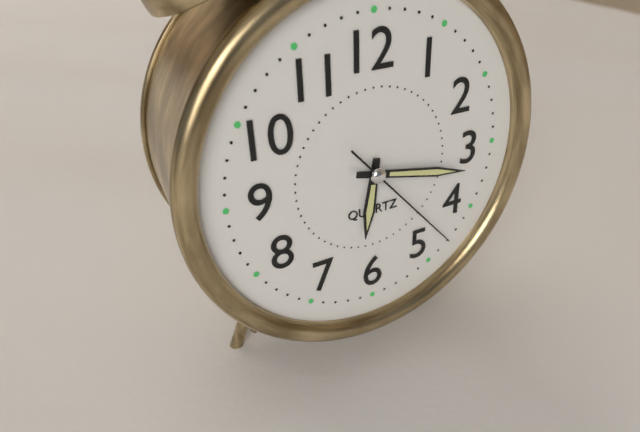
6,17,23
